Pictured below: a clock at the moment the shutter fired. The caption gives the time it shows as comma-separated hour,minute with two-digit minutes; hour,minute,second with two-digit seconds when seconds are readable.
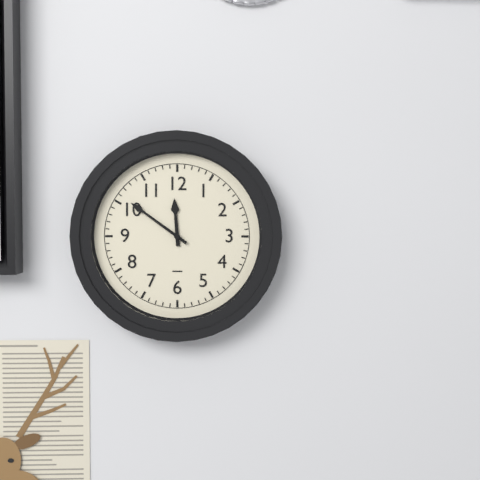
11,51
